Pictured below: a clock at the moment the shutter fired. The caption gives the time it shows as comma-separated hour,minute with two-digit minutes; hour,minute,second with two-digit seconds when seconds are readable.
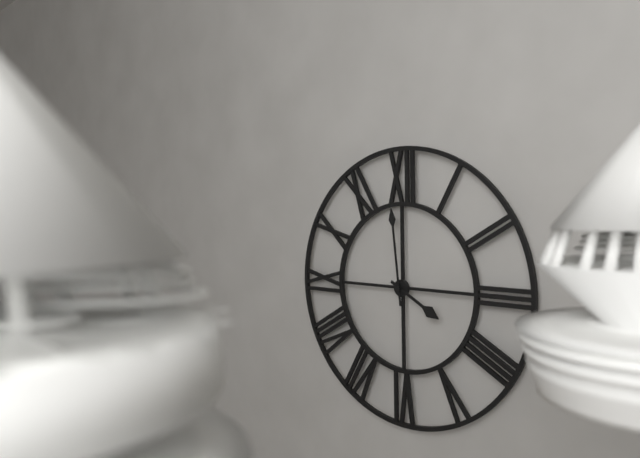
3,59
